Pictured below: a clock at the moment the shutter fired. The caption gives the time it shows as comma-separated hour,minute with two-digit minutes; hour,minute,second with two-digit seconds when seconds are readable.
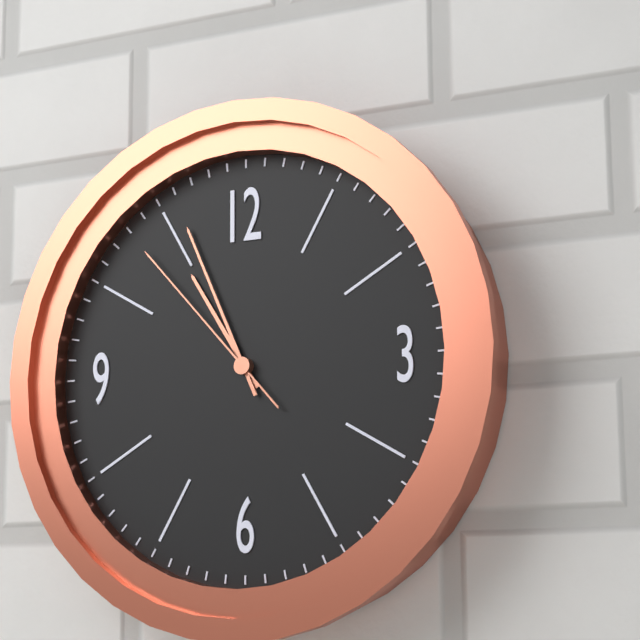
10,56,53
